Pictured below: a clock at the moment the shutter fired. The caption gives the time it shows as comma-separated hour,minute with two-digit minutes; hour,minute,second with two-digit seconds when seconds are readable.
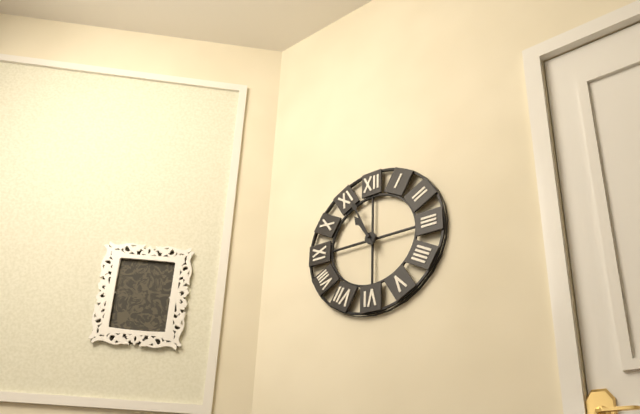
10,56
